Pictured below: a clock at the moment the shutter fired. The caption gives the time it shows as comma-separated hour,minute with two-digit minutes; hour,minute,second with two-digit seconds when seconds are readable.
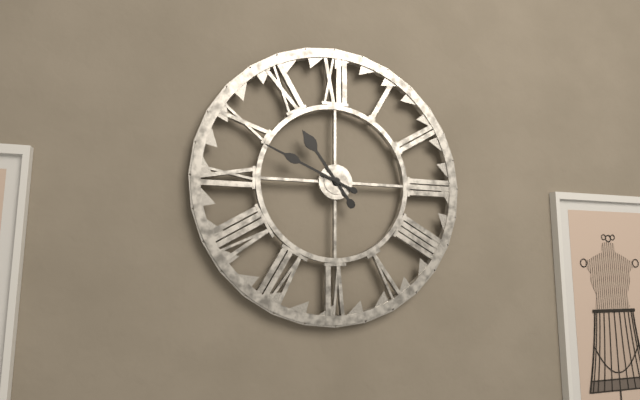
10,49
